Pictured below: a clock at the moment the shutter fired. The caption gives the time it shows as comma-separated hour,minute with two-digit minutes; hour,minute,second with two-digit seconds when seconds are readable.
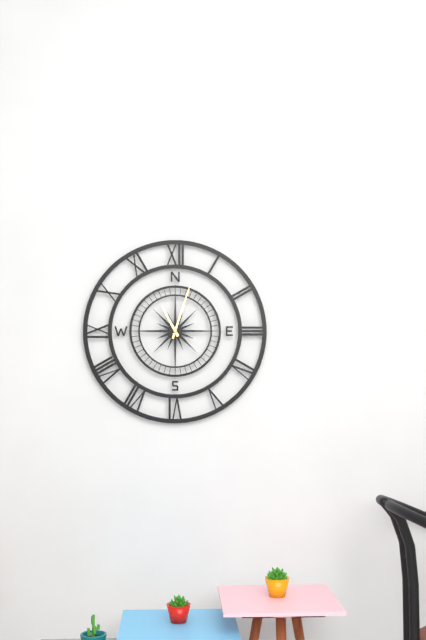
11,03
